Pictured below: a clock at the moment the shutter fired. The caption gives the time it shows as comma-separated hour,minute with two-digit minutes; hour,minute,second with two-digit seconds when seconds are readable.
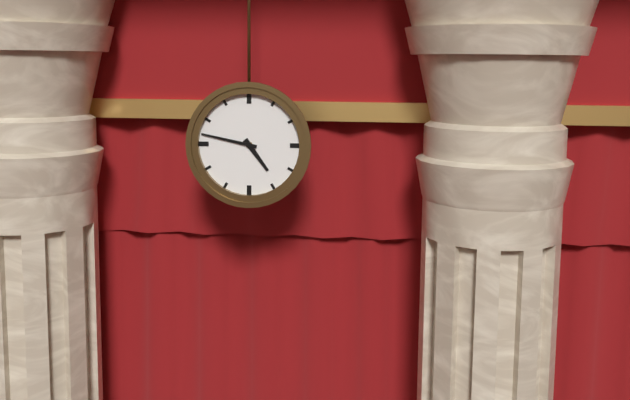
4,47
